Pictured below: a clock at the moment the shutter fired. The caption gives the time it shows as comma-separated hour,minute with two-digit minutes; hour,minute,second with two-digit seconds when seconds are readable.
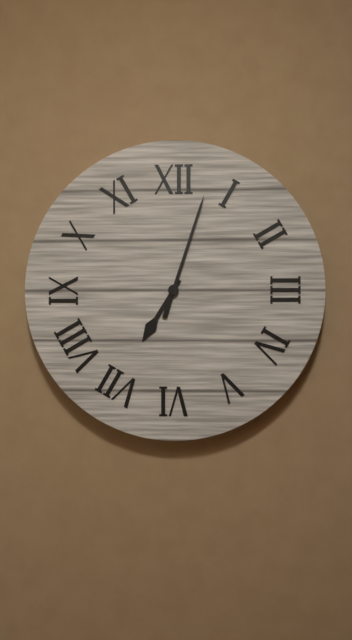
7,03
